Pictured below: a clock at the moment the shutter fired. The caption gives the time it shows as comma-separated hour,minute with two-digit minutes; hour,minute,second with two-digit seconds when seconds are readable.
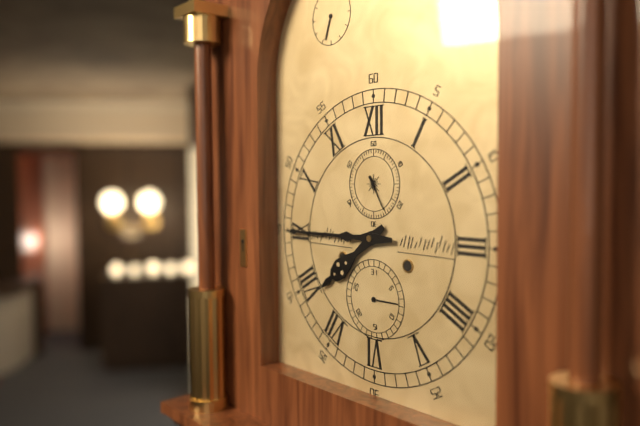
7,45
